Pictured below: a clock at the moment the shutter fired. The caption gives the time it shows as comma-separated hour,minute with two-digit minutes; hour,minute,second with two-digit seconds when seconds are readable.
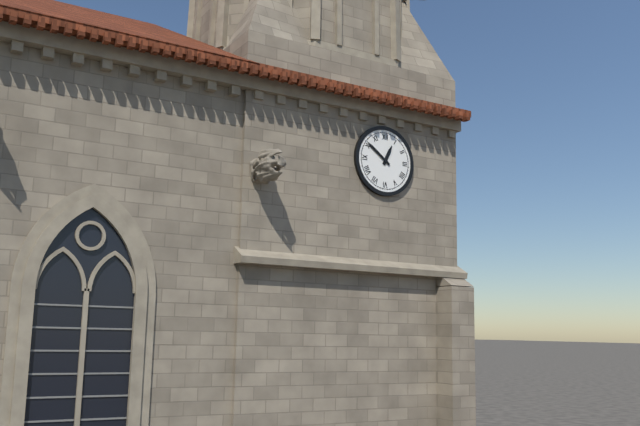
12,51
